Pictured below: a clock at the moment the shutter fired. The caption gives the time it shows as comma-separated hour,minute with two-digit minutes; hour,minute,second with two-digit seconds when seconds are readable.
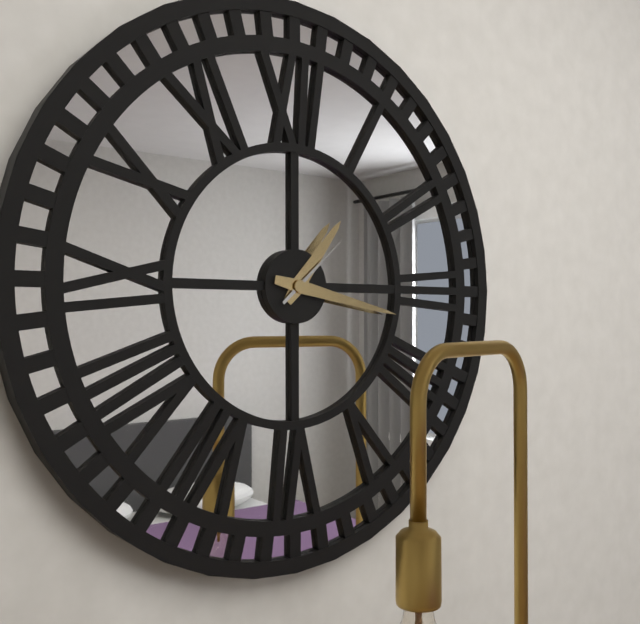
1,17,08
